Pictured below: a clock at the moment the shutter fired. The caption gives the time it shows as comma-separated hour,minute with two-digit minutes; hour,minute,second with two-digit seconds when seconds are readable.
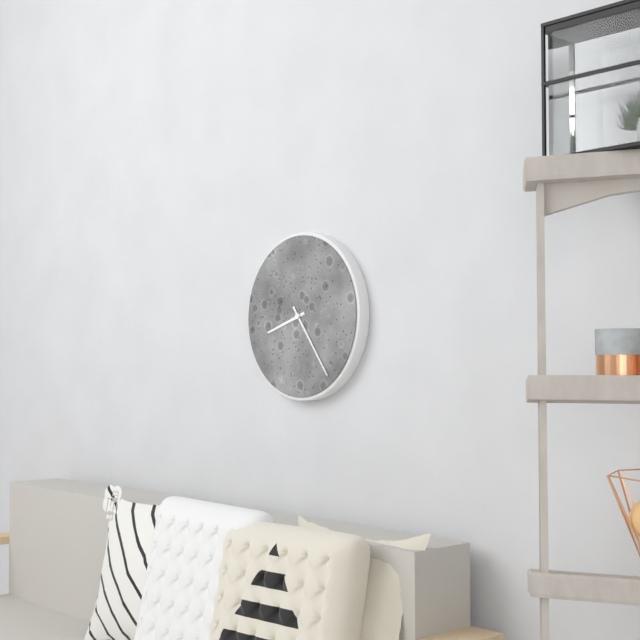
8,24
